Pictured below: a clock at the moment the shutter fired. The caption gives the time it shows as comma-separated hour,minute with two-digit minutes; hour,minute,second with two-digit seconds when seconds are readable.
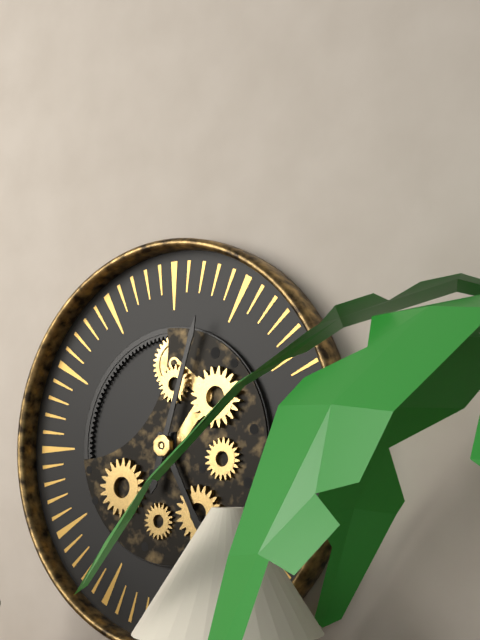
5,03
